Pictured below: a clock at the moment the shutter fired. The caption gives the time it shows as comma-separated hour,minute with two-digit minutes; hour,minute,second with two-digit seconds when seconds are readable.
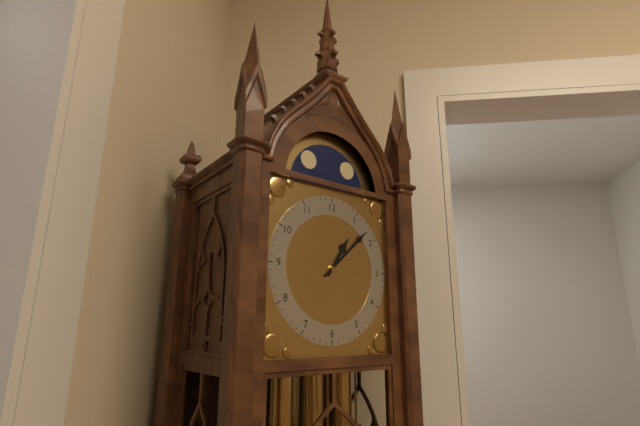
1,08
